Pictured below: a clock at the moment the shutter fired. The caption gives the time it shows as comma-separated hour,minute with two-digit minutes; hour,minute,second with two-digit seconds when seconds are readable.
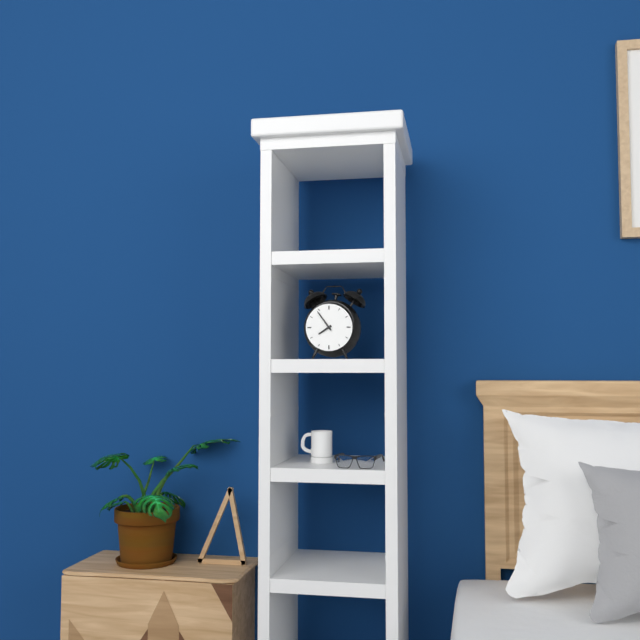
7,54
